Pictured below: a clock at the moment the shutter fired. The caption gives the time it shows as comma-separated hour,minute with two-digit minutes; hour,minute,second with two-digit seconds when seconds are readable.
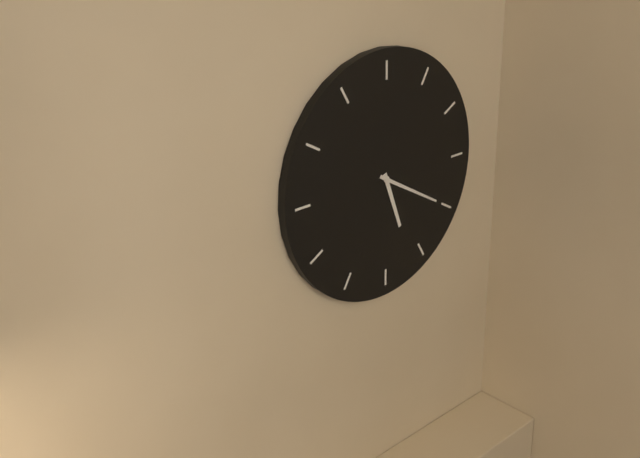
5,20
